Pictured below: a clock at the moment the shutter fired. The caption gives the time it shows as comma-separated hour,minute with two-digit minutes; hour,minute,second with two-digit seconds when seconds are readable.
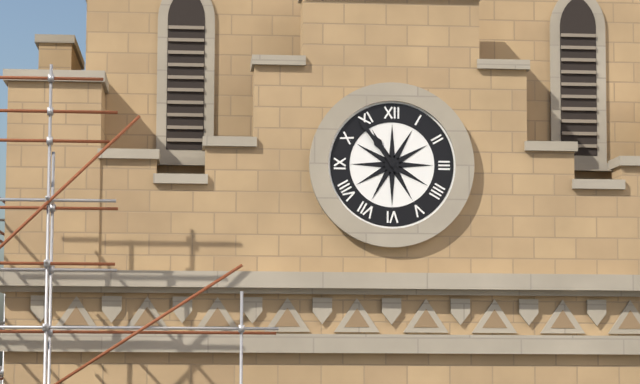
10,54
